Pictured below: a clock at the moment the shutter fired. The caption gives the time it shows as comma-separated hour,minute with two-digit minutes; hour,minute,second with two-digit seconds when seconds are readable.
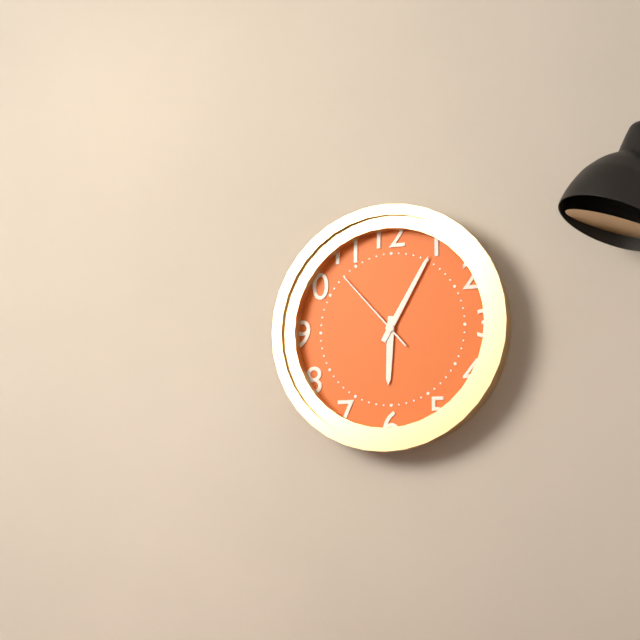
6,05,53
